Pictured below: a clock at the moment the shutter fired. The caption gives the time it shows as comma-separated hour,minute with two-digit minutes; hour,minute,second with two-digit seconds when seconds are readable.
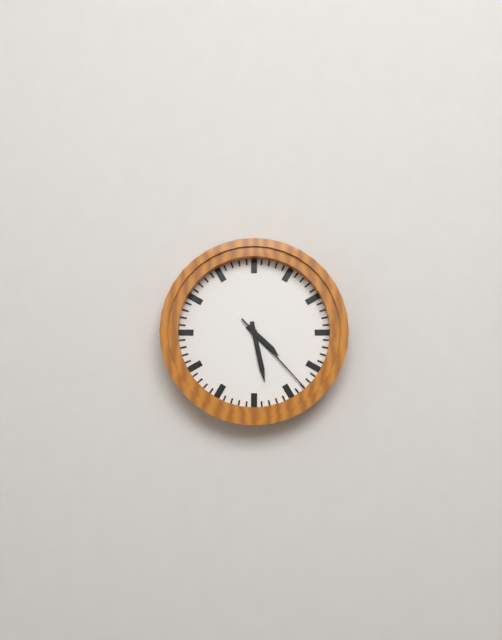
4,28,23
